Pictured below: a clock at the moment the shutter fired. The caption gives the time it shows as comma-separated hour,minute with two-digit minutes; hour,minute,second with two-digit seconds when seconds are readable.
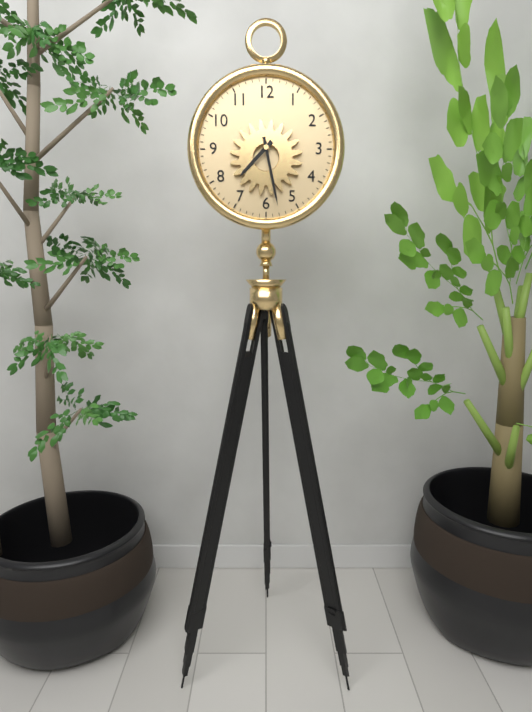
7,28
